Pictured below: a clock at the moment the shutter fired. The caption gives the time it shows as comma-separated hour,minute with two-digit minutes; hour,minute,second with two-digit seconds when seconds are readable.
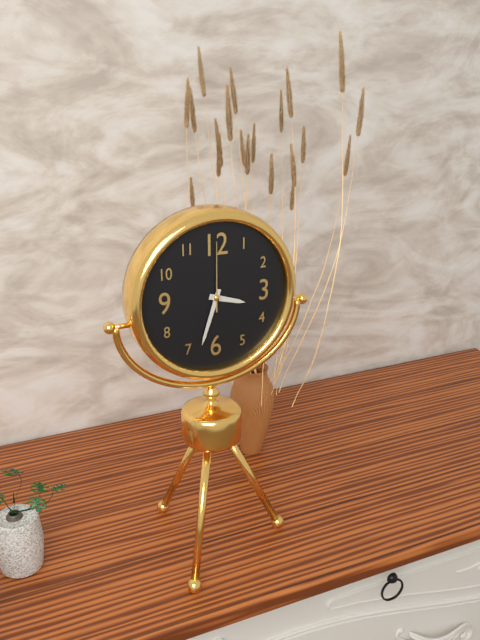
3,33,00
